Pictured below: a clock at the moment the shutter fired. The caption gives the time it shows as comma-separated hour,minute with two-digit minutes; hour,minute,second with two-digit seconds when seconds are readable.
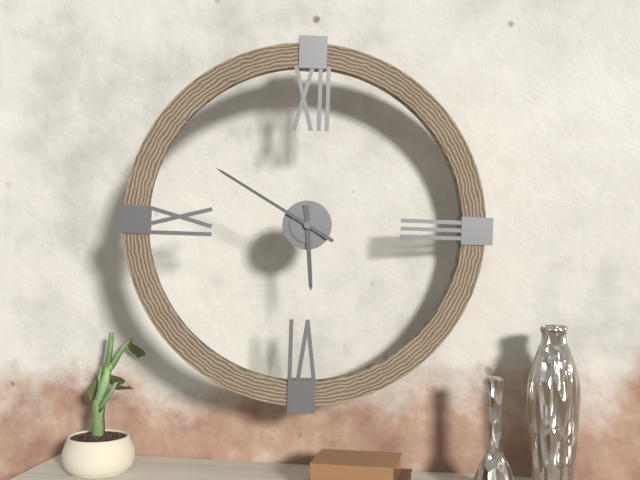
5,50
